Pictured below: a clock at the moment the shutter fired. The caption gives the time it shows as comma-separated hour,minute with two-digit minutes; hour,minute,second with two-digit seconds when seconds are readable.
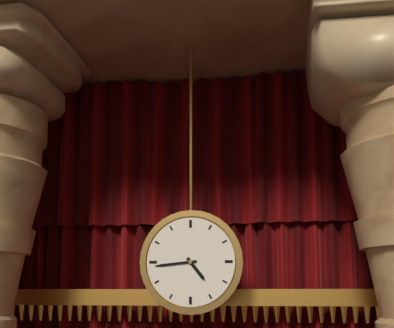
4,44
